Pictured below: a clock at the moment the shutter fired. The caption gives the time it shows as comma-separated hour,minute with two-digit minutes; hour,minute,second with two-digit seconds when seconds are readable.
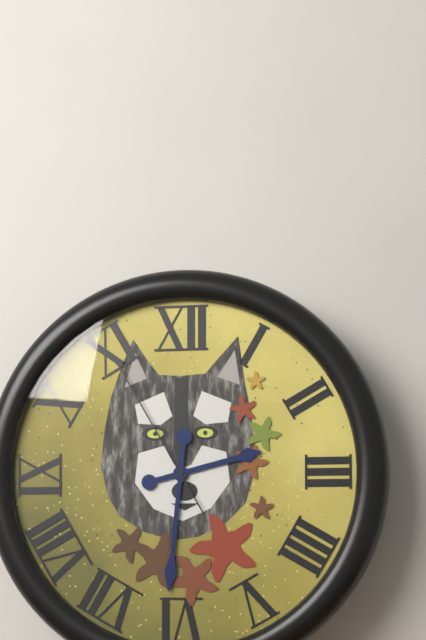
2,31,55
